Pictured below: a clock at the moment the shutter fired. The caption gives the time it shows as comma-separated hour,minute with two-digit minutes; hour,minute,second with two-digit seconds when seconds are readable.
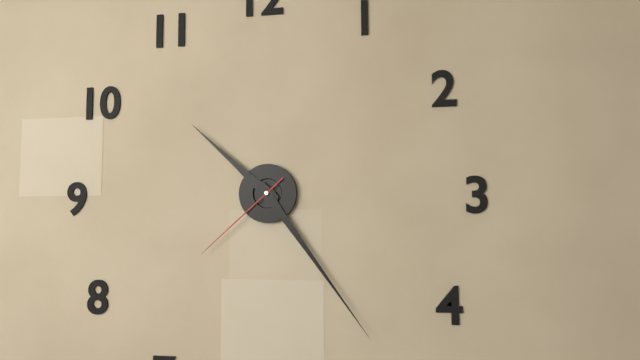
10,24,38
